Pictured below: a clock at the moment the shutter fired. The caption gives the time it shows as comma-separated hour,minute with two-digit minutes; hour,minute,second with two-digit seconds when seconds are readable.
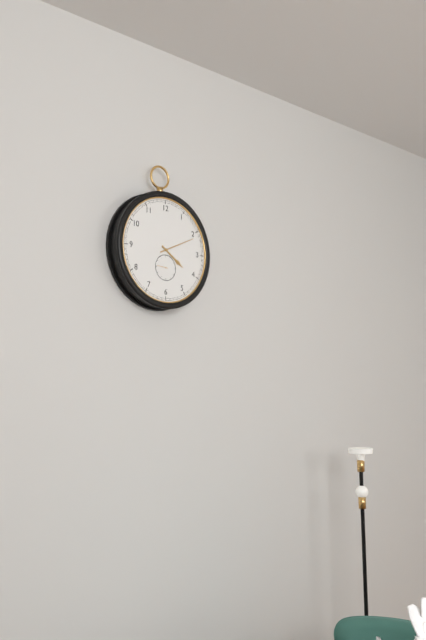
4,11
